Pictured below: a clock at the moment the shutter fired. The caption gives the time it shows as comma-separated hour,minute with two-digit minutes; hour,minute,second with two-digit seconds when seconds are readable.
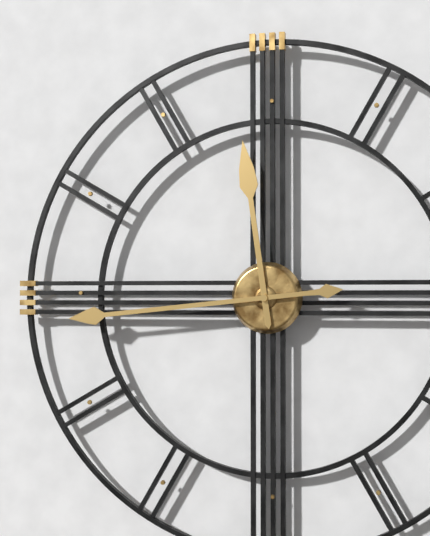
11,44
